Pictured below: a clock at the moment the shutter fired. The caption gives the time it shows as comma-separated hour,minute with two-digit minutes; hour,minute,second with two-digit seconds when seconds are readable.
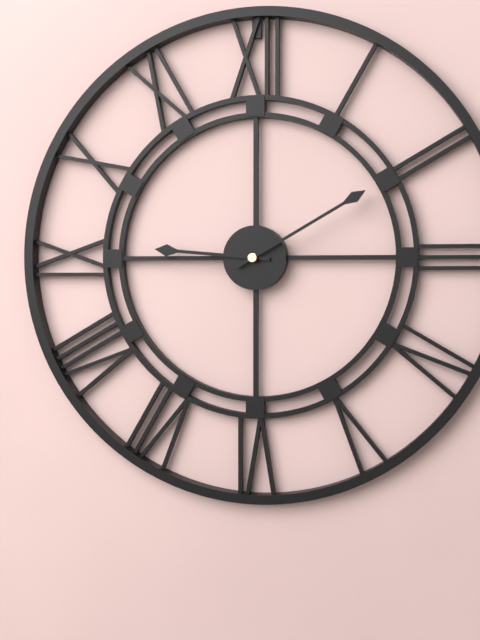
9,10
